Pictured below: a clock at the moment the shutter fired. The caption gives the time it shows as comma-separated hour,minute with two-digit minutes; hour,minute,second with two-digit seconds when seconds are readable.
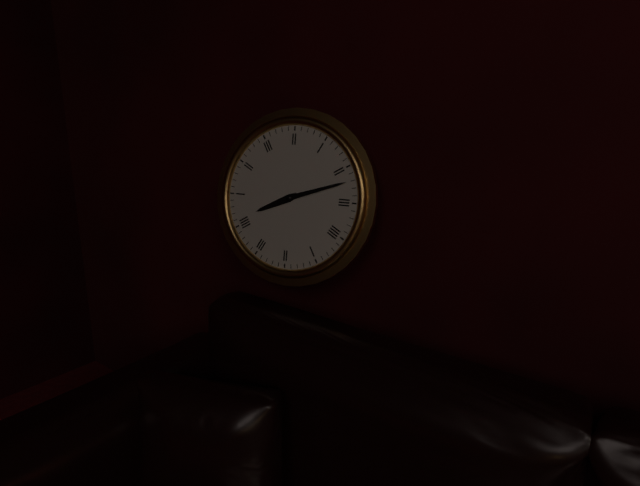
8,12
